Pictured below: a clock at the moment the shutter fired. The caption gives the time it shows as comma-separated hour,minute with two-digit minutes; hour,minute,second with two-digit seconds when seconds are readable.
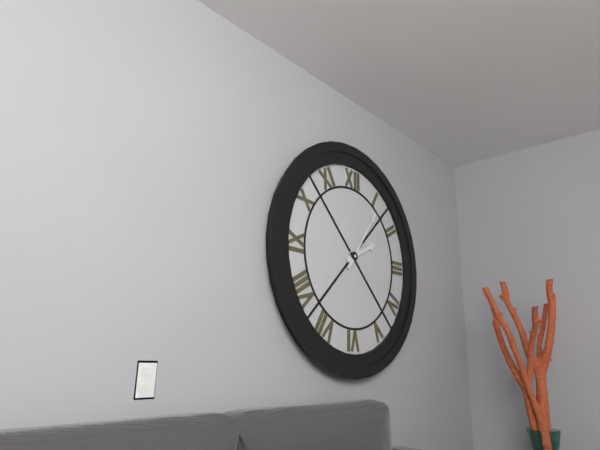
2,06
